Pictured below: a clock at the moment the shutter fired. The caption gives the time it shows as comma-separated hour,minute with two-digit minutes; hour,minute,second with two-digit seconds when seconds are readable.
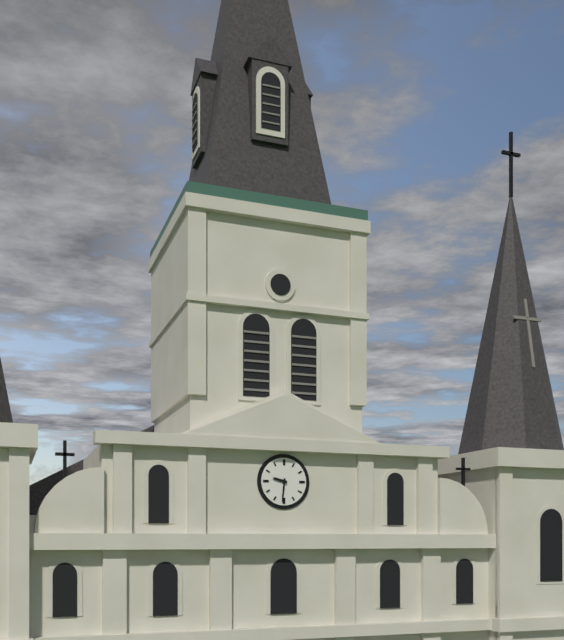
9,31
